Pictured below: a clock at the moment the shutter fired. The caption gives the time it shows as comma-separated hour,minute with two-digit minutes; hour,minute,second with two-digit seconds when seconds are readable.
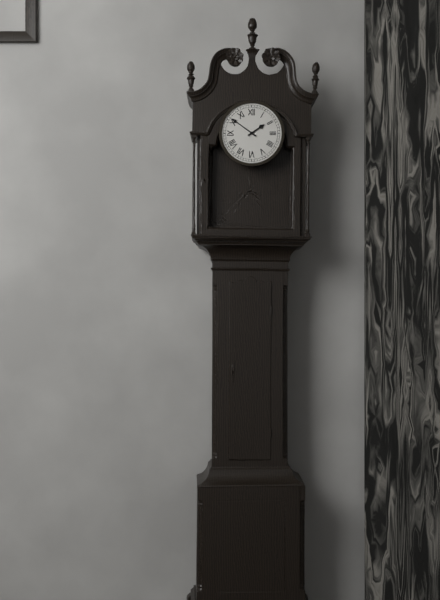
1,51
